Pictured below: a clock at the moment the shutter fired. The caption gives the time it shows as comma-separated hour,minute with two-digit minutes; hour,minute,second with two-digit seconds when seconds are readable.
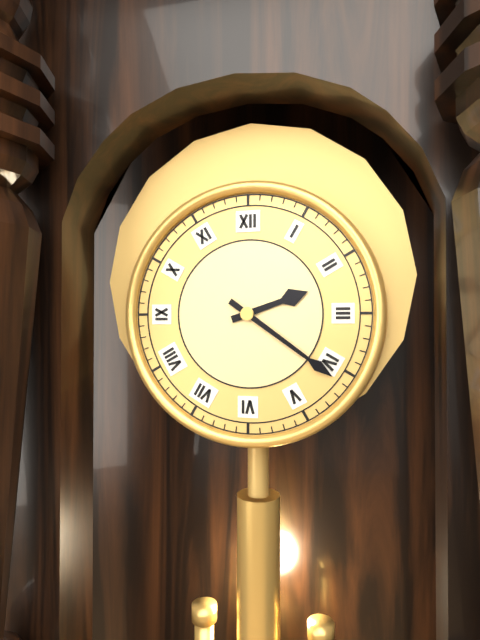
2,21
